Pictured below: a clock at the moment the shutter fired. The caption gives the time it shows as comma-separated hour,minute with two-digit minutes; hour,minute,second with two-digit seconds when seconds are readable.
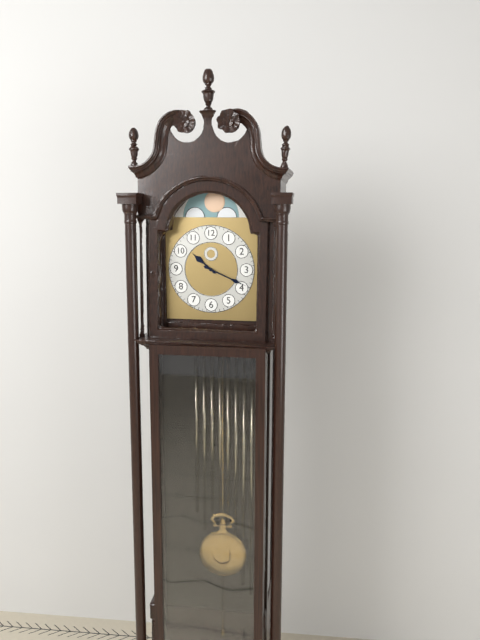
10,19
